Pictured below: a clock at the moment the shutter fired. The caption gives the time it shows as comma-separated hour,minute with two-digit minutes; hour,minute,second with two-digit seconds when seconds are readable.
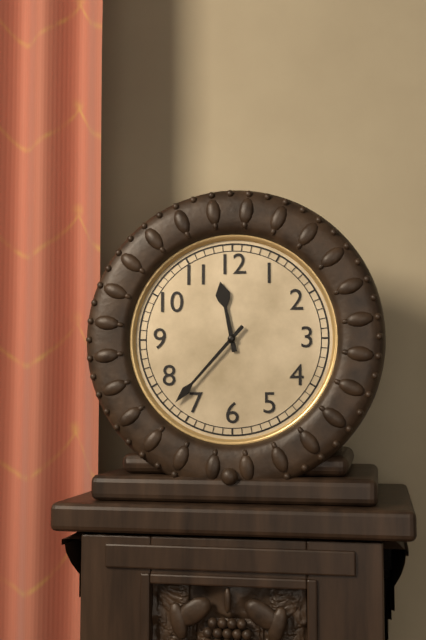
11,37
